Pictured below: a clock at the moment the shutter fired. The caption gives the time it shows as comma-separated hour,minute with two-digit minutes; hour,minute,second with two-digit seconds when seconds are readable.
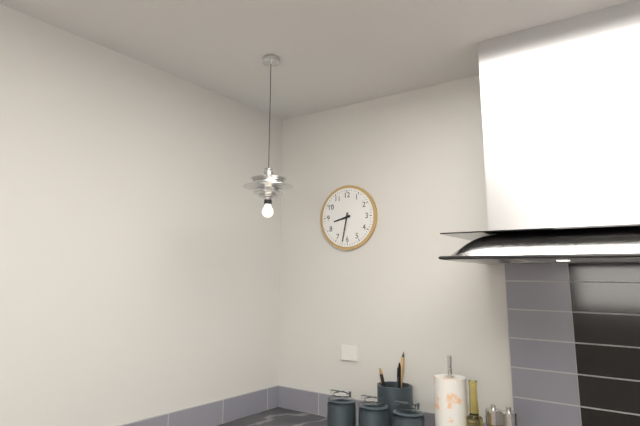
8,32
